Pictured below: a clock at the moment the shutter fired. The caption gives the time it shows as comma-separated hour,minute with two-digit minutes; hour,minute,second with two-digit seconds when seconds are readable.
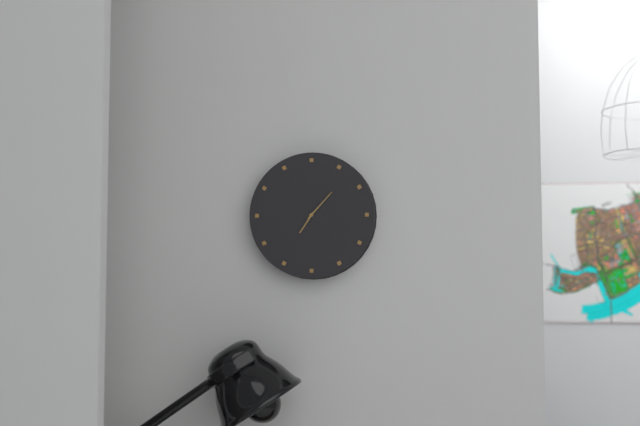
7,07
